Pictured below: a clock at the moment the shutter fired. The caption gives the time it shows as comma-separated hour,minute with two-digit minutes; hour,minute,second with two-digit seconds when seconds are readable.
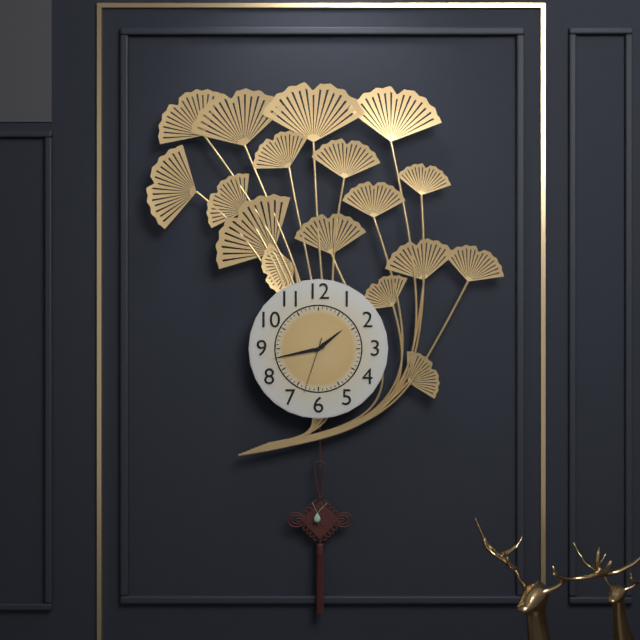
1,43,33
